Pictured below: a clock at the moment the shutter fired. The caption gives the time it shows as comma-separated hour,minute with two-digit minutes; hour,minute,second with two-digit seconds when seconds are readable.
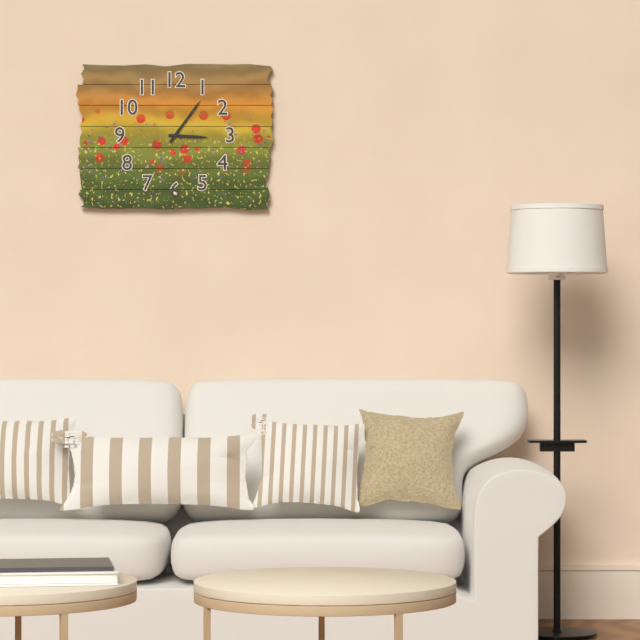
3,06
